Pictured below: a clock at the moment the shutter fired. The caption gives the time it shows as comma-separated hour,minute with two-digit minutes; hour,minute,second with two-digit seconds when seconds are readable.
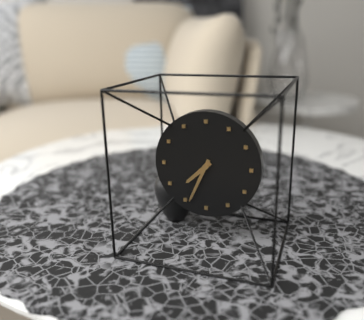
7,34
